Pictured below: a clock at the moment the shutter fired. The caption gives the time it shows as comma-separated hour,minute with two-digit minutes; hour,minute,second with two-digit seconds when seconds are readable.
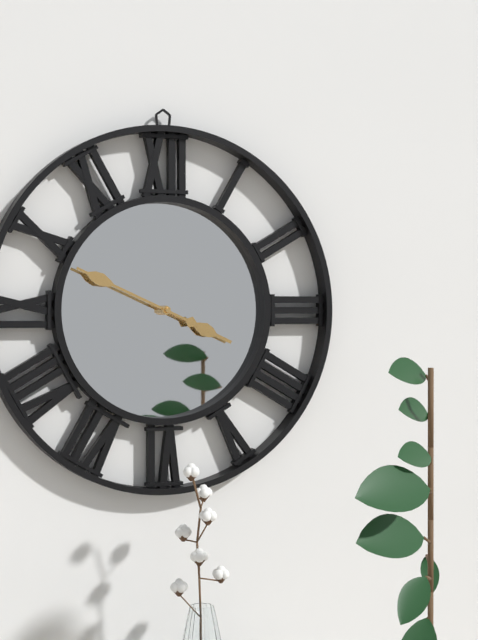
3,49
